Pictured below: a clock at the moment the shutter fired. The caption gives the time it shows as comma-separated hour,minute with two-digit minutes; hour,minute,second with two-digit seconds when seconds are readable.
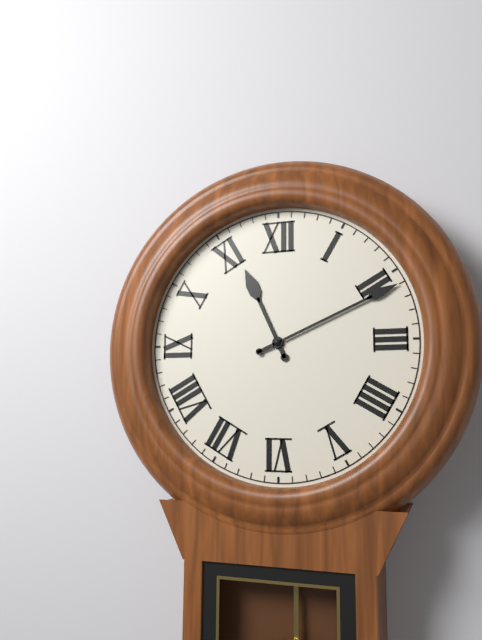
11,11
